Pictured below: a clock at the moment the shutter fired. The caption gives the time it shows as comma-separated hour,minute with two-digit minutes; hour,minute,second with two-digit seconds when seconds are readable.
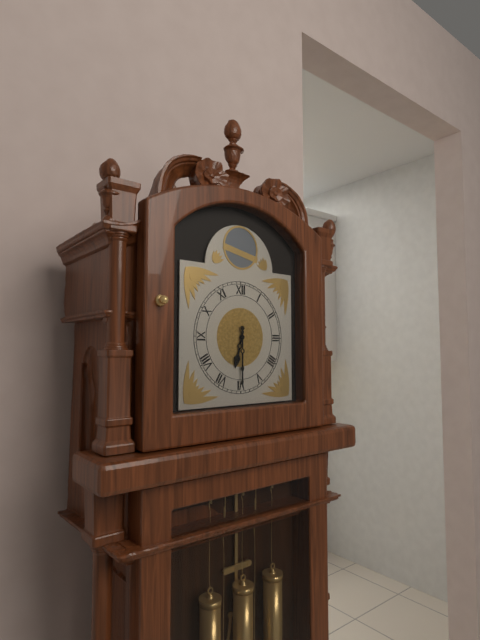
6,30
